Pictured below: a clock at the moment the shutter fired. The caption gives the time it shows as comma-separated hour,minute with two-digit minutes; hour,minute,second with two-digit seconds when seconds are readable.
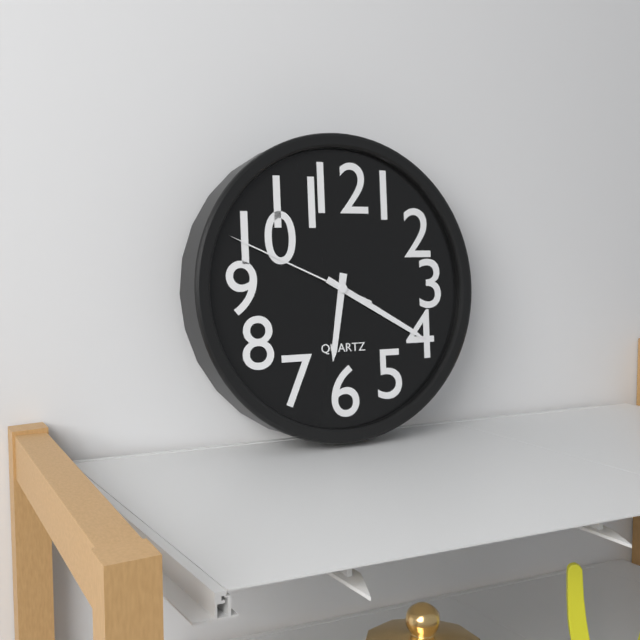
6,20,49
